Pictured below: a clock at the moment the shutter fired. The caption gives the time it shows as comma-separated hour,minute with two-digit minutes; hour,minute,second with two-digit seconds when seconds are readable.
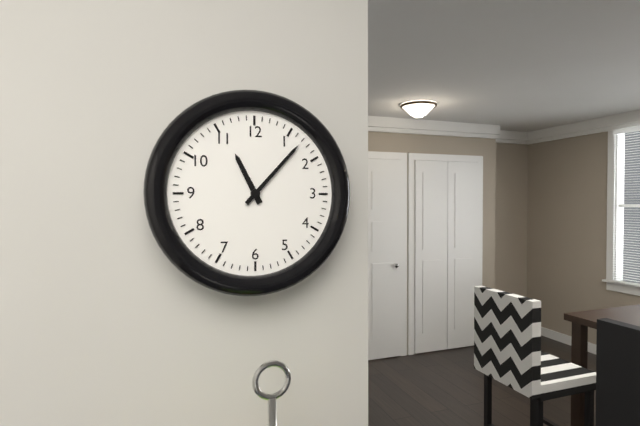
11,07
